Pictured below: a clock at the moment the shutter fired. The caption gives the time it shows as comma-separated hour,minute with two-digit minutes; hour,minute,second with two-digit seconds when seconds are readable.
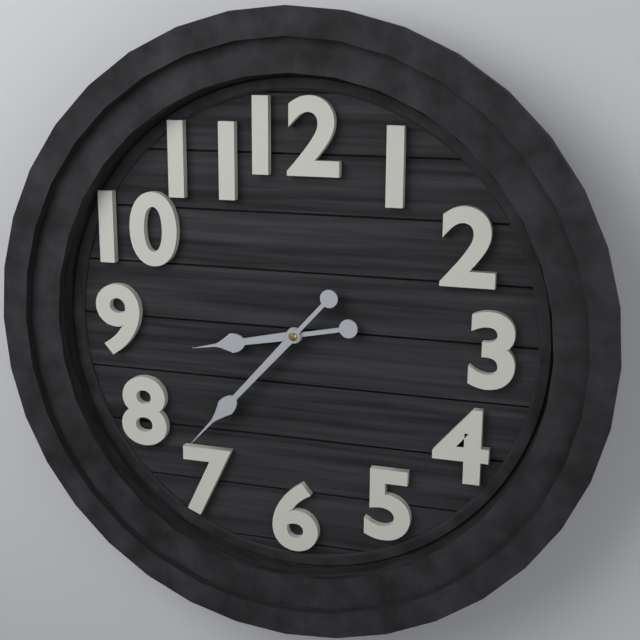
8,37
